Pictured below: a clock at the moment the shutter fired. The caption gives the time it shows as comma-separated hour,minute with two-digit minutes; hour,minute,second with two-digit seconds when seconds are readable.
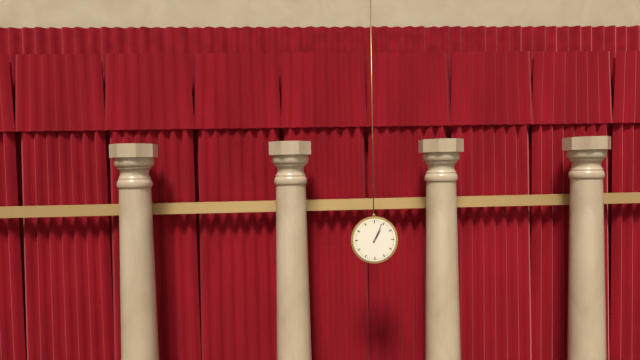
1,04
